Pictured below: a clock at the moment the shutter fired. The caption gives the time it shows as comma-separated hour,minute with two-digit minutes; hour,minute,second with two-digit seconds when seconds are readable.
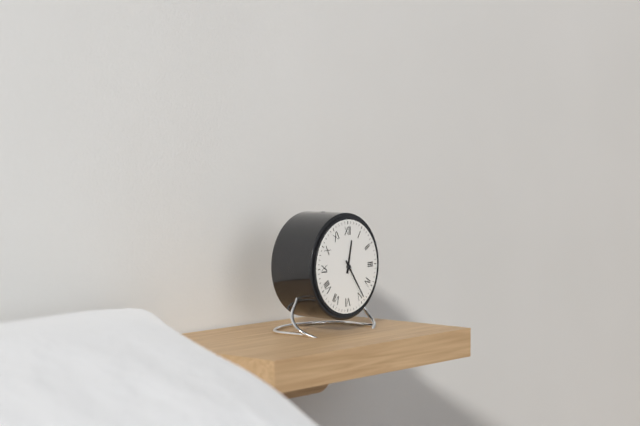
12,24
